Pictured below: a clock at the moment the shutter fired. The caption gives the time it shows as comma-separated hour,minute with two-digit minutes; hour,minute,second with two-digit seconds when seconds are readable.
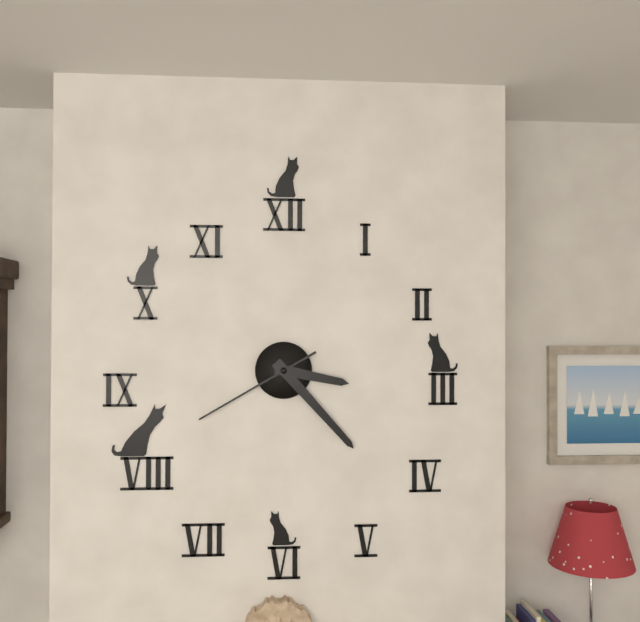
3,23,40
